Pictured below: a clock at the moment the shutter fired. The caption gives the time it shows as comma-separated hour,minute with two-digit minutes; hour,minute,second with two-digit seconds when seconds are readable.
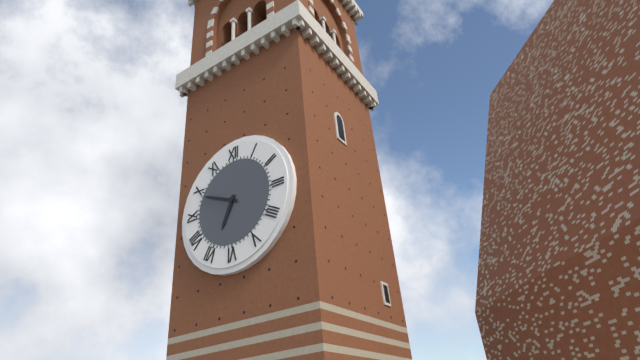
6,49
